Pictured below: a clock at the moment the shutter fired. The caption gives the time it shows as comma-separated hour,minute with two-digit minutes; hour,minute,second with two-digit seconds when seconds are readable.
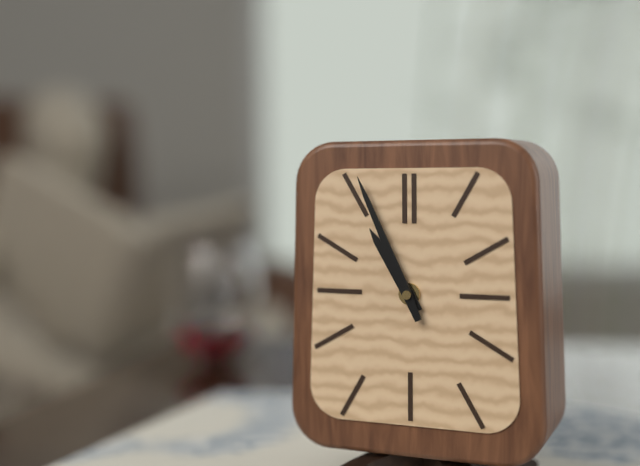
10,56
